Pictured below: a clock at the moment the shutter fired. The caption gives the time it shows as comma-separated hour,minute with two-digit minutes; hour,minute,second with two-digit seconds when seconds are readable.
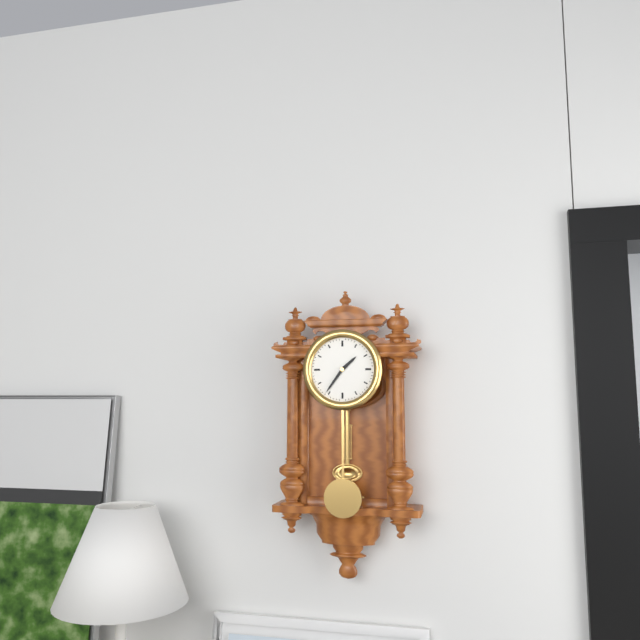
1,36
